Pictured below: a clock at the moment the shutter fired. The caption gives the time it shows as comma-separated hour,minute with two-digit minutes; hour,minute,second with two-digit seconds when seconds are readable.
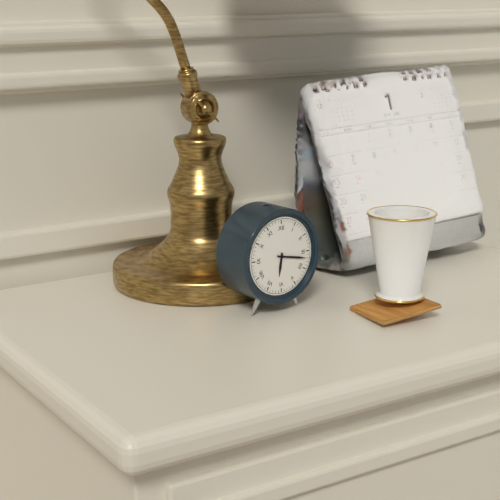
6,17
